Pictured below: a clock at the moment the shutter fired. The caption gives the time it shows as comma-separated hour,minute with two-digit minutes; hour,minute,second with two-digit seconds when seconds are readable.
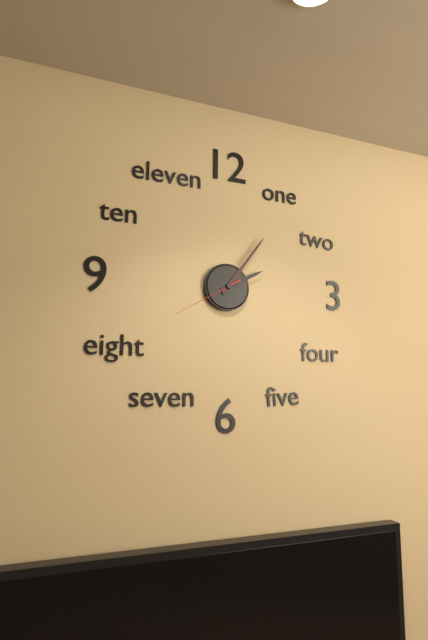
2,06,40
